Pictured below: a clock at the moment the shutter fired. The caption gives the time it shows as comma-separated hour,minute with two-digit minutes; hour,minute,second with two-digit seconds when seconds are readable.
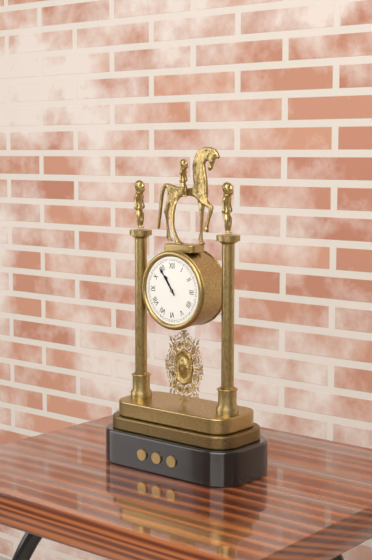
10,54
